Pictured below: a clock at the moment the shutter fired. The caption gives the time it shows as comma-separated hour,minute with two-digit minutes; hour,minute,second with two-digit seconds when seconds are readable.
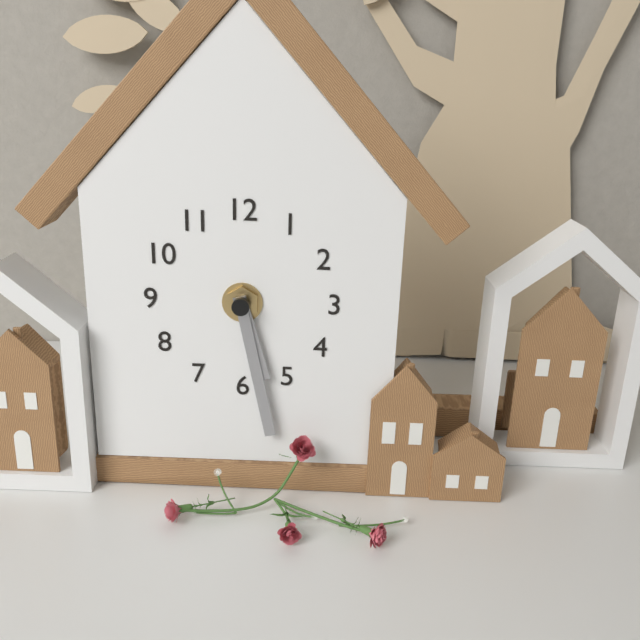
5,28
